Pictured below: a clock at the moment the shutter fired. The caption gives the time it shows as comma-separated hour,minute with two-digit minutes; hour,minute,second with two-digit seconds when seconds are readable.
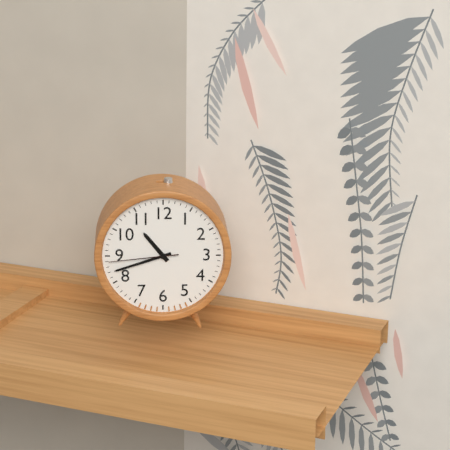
10,42,44
